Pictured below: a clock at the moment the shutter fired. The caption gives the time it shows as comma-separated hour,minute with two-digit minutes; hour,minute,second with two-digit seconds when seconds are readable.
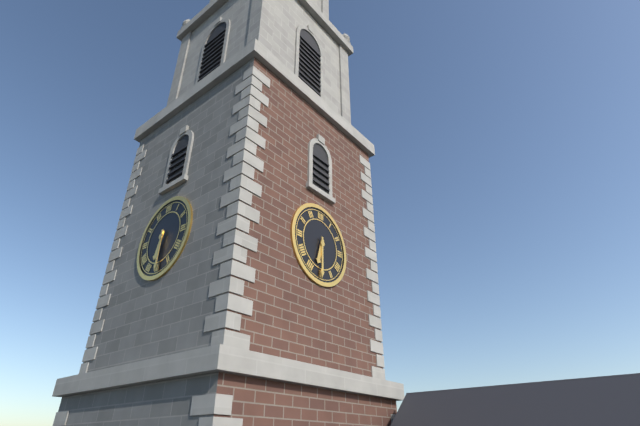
6,30
